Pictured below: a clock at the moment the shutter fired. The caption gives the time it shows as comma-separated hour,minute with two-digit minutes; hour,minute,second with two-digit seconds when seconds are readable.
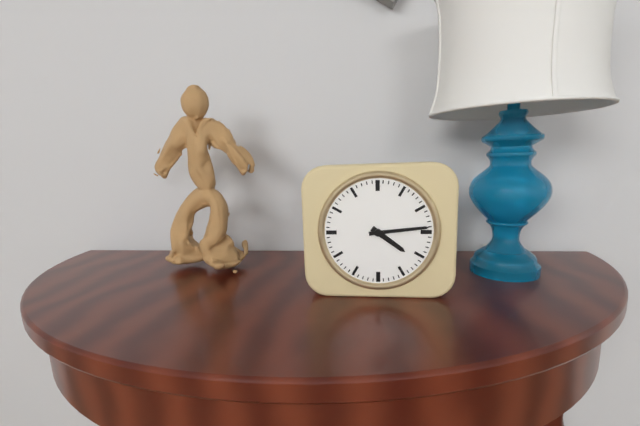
4,14
